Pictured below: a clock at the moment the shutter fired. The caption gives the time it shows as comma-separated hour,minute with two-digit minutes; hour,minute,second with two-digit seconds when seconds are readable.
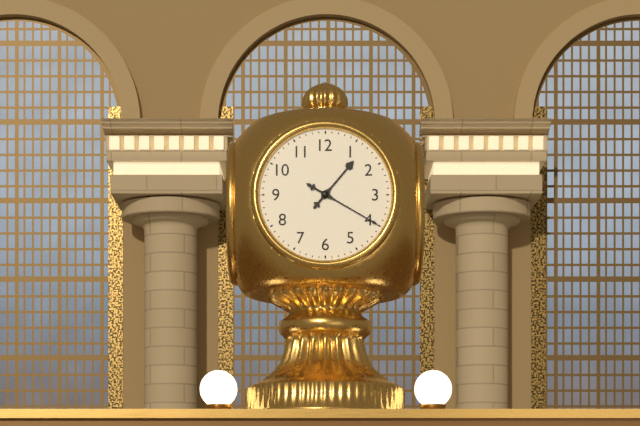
1,20
